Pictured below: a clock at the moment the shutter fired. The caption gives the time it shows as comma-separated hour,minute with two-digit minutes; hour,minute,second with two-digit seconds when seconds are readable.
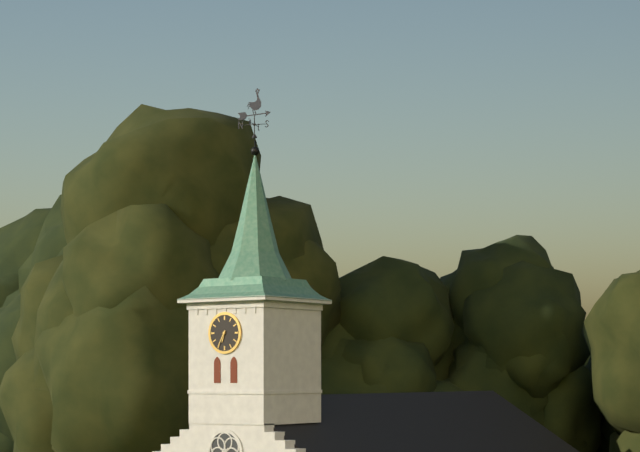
6,35
